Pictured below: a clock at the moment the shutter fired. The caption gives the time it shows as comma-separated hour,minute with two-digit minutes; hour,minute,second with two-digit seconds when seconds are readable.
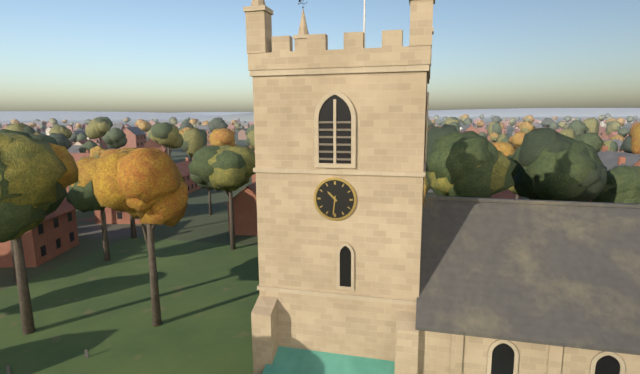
10,31
